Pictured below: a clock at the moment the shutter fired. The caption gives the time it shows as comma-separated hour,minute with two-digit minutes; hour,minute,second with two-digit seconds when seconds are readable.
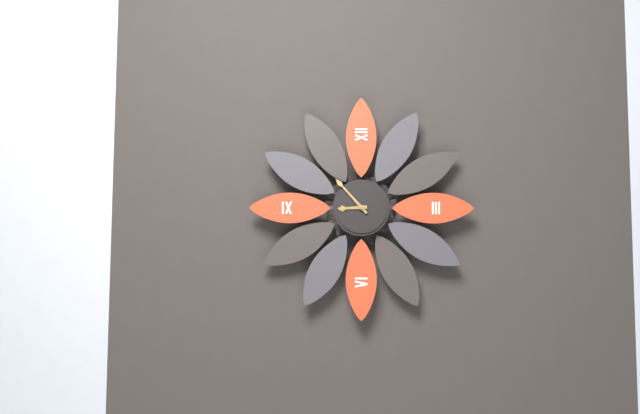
8,53
